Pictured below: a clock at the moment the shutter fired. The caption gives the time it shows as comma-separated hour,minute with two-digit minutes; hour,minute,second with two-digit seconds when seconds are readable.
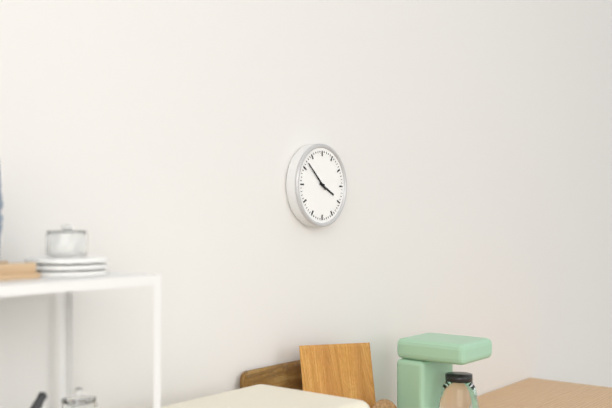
3,52
